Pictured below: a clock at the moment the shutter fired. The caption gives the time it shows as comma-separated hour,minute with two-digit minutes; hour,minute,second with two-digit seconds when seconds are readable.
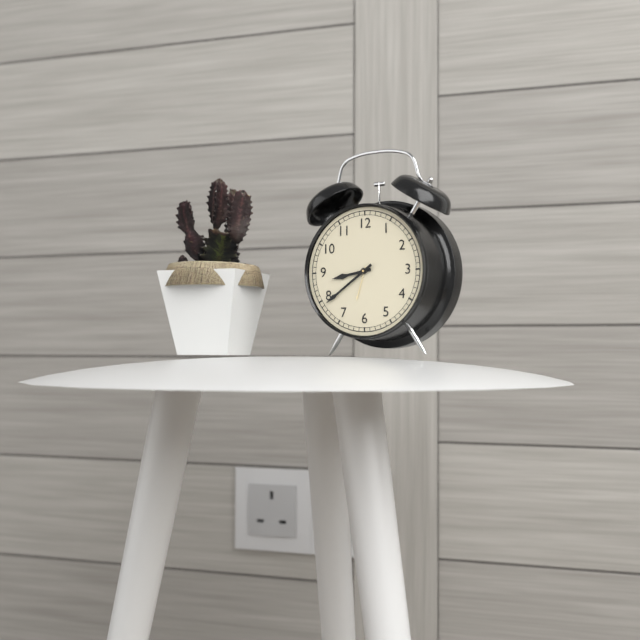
8,39
